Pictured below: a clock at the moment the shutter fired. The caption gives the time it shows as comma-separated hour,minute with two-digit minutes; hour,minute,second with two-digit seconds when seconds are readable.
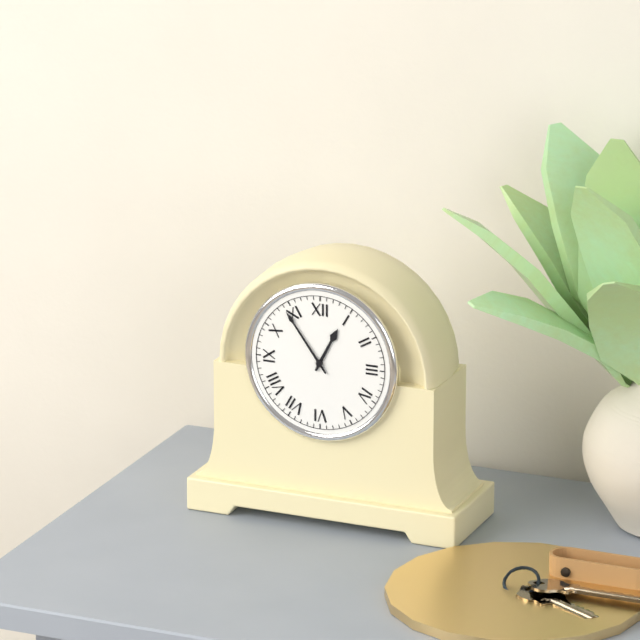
12,54
